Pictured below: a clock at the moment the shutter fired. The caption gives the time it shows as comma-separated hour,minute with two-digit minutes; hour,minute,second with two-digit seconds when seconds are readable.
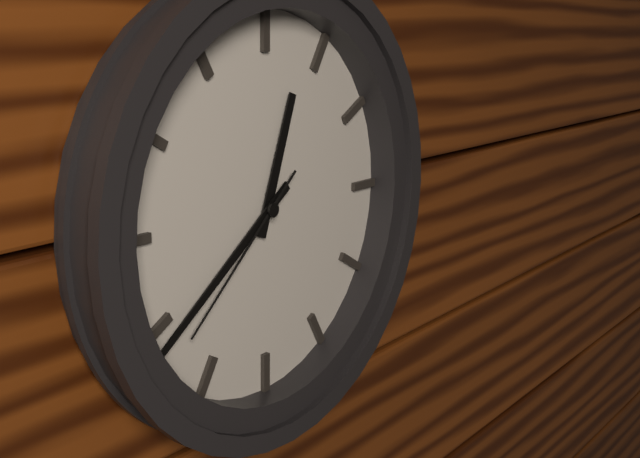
12,39,38
